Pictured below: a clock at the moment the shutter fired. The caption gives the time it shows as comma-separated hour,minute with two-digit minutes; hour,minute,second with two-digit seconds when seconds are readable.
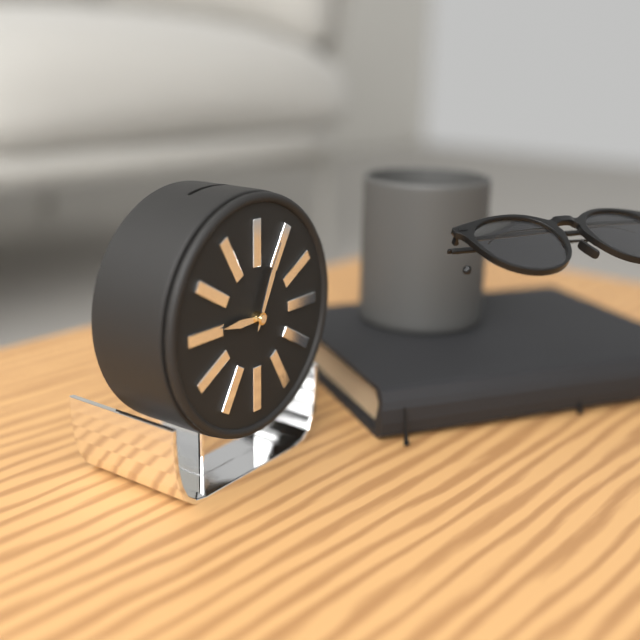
9,04
